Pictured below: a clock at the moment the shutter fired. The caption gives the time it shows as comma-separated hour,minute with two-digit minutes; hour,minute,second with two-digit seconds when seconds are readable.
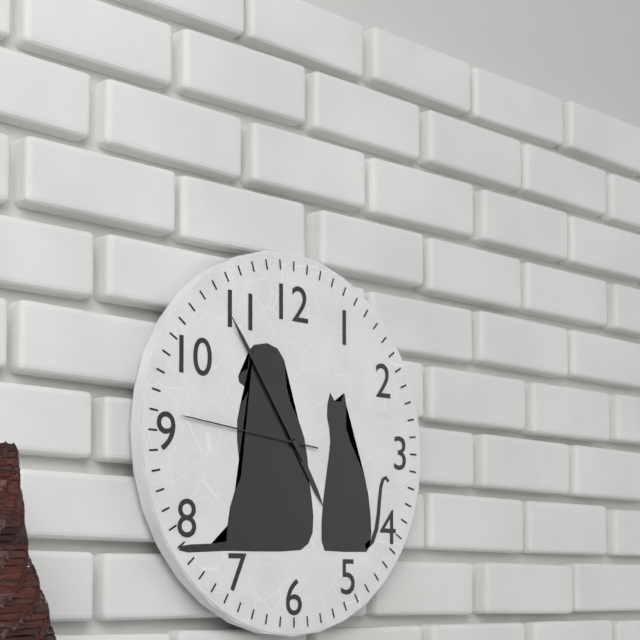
4,54,46
